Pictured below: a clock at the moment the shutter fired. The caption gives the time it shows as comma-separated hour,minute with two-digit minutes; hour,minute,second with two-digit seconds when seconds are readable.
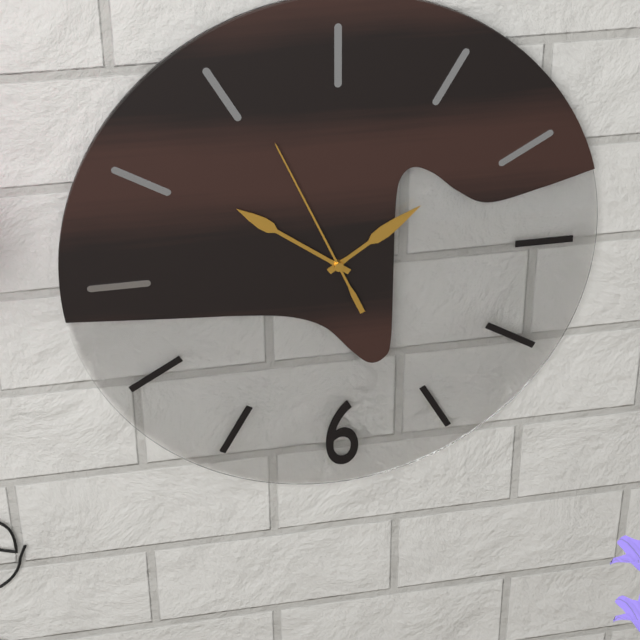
1,51,56
